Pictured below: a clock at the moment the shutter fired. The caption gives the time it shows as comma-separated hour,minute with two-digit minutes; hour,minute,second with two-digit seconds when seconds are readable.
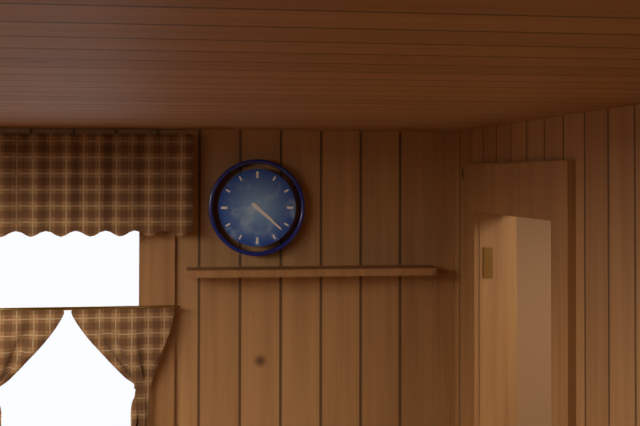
4,22
